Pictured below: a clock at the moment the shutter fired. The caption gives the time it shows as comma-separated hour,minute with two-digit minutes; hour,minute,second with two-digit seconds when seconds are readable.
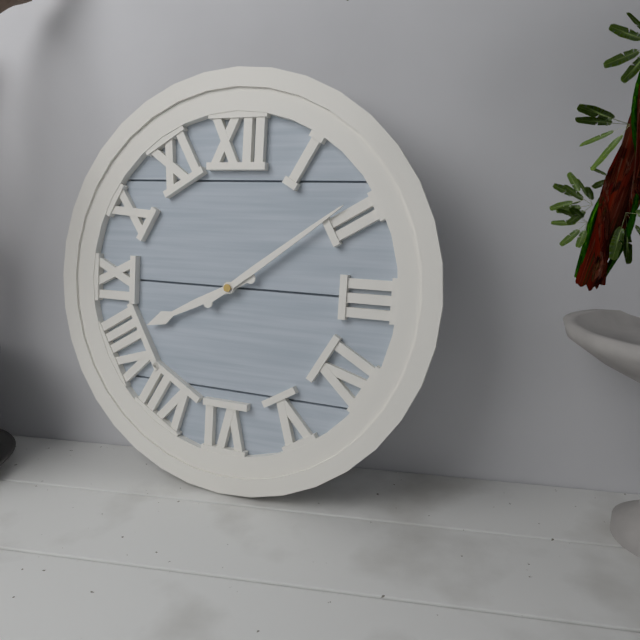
8,09
